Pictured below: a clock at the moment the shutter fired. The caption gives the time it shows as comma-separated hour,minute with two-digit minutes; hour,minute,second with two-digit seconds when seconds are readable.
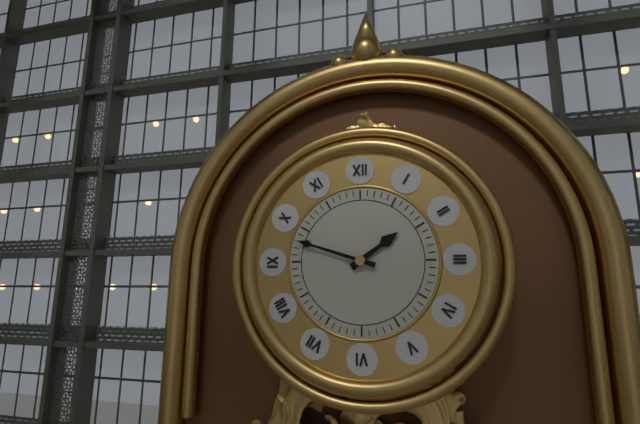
1,48
